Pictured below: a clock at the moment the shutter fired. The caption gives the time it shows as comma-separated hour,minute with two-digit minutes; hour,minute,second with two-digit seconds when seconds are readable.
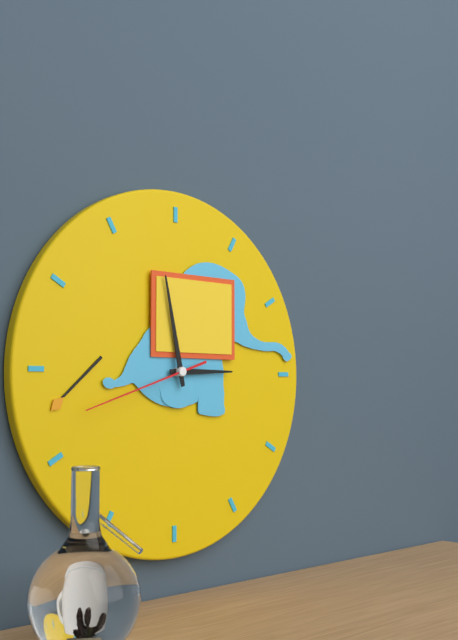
2,58,42
